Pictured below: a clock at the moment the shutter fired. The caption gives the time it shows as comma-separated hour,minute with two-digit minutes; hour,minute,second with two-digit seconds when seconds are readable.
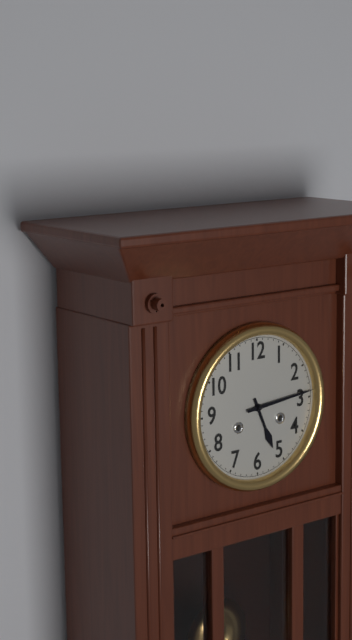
5,14
